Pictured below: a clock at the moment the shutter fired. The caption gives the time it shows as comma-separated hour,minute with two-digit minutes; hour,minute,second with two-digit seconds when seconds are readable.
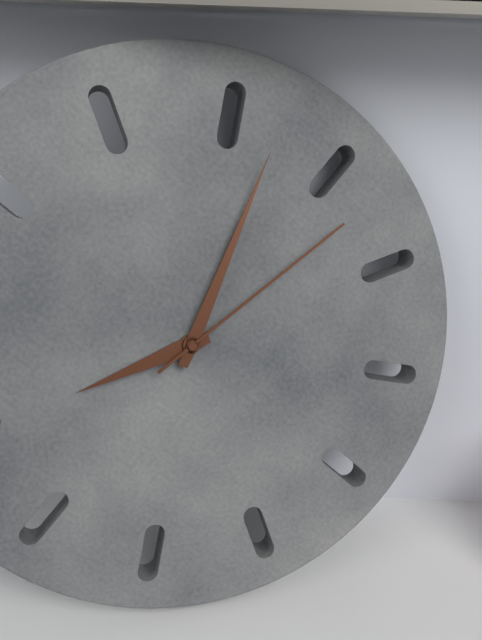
6,57,02
